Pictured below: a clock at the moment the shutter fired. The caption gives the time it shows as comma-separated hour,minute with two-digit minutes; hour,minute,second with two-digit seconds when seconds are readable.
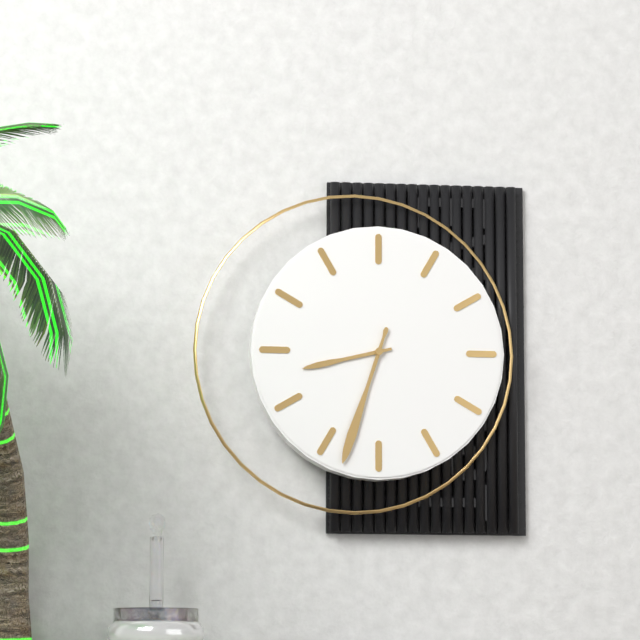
8,33
